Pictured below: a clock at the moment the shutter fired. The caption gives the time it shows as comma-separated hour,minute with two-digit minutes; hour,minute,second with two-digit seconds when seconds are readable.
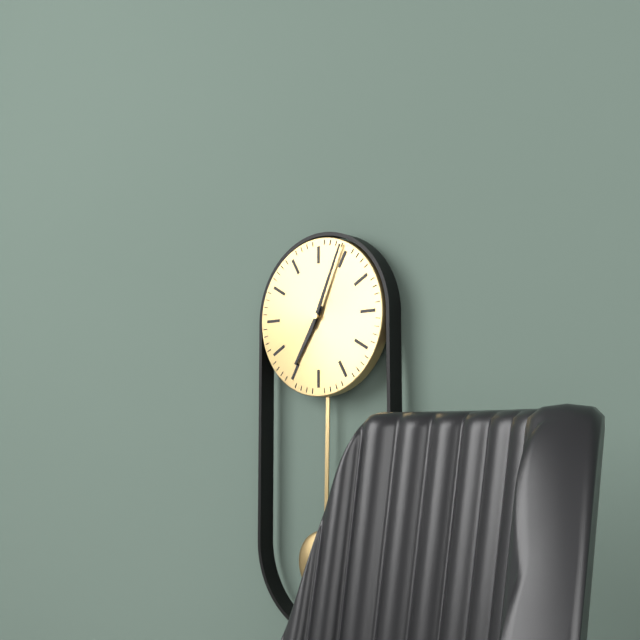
7,04
